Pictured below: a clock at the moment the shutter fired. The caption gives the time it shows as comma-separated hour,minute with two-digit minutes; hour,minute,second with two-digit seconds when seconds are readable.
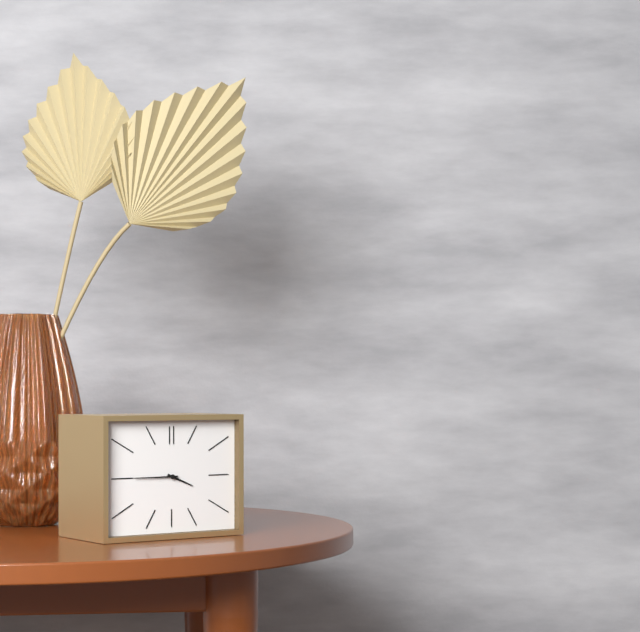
3,45
